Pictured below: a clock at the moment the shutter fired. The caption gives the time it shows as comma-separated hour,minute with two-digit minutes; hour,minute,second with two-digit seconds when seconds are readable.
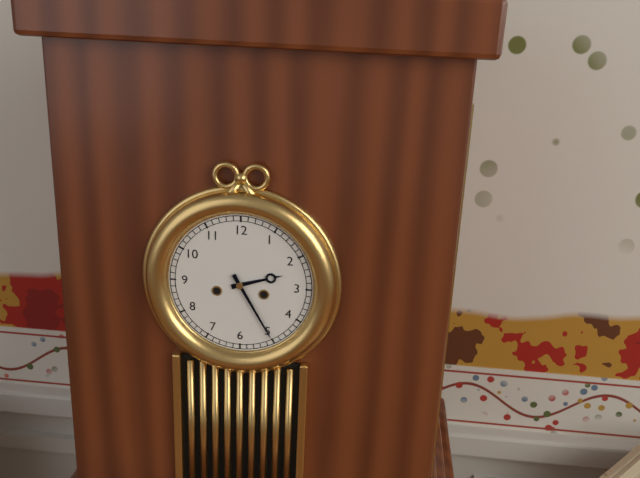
2,25
